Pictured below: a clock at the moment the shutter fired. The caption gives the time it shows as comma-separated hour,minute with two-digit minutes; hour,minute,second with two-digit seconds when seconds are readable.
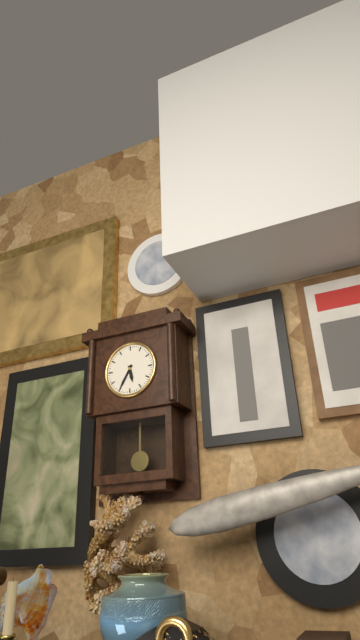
5,35
